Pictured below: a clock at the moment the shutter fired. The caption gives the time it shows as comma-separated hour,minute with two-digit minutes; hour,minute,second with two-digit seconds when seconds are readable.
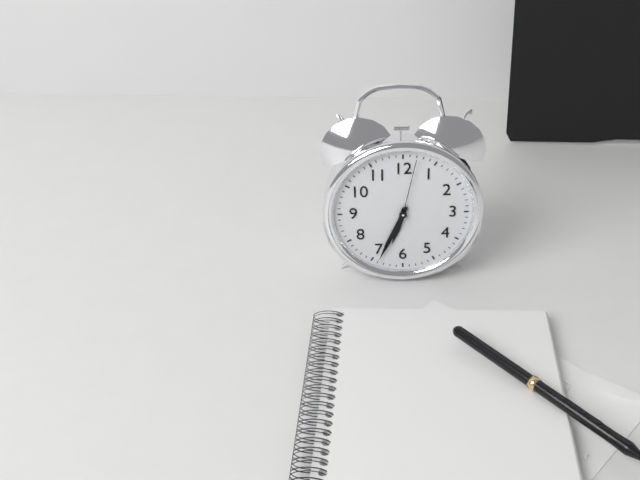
6,34,02
